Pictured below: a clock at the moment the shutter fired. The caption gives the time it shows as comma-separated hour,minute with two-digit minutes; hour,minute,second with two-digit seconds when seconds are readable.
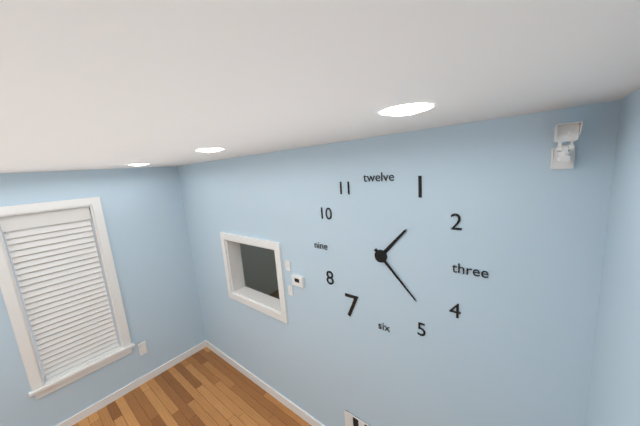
1,23
